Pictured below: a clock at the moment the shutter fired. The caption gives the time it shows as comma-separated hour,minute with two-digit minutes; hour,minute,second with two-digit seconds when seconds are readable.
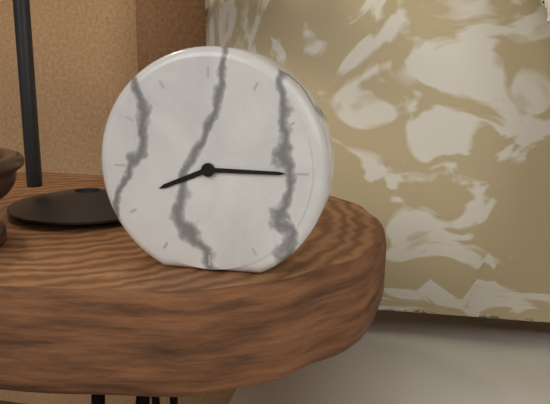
8,15
